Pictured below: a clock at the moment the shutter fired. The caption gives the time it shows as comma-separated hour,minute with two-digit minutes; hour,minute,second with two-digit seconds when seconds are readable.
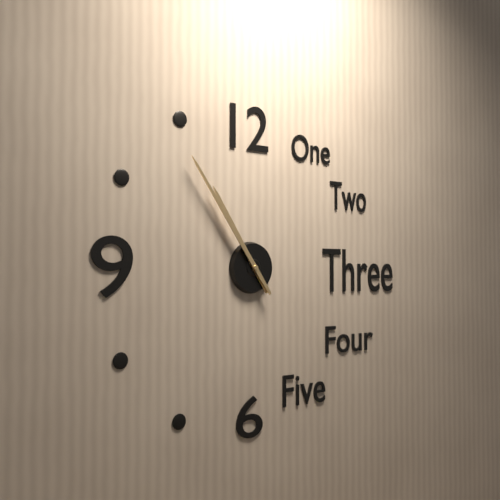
10,54
